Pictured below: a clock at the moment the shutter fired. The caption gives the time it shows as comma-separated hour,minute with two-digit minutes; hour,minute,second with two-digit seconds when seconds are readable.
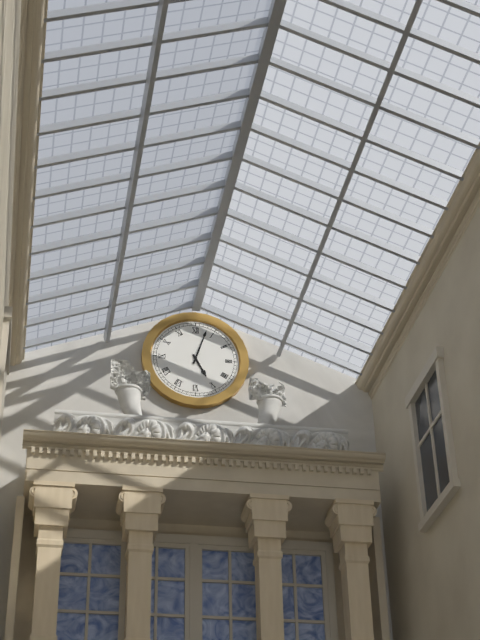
5,03
